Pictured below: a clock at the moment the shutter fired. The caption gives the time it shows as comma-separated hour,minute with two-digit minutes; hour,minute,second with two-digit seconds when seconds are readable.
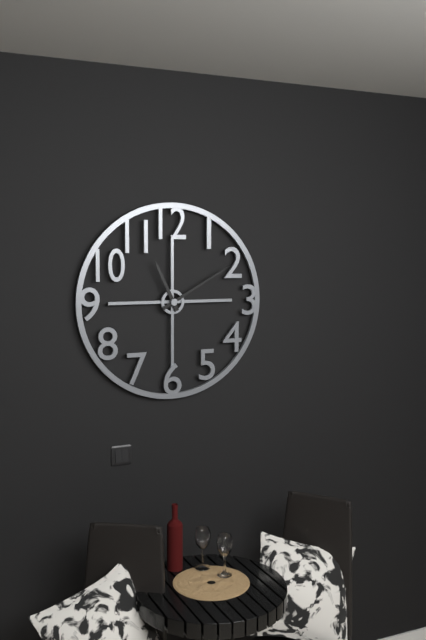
11,10
